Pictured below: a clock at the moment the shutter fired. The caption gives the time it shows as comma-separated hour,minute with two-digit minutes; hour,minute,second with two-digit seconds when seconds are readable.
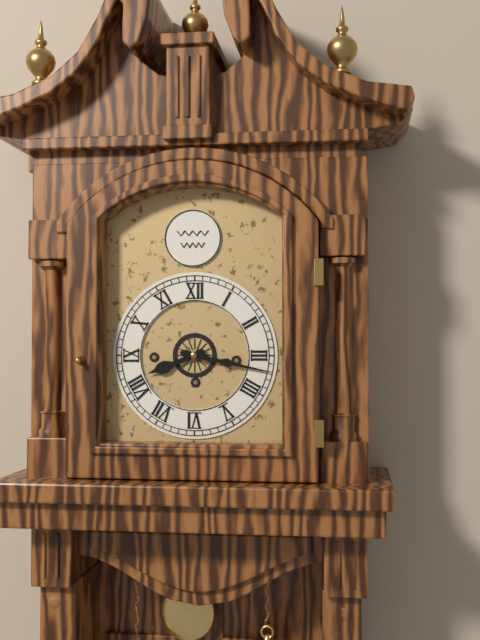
8,17
